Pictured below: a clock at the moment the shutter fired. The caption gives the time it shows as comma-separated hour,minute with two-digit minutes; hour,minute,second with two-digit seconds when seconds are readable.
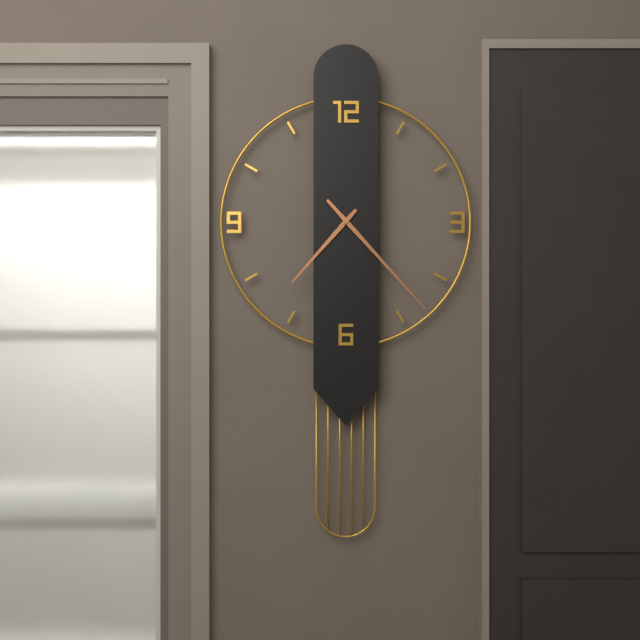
7,23
